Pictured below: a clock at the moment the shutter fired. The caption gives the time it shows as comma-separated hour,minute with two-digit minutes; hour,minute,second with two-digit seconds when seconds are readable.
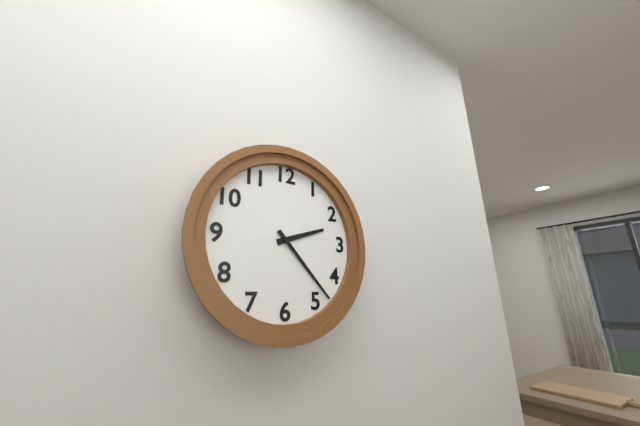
2,23
